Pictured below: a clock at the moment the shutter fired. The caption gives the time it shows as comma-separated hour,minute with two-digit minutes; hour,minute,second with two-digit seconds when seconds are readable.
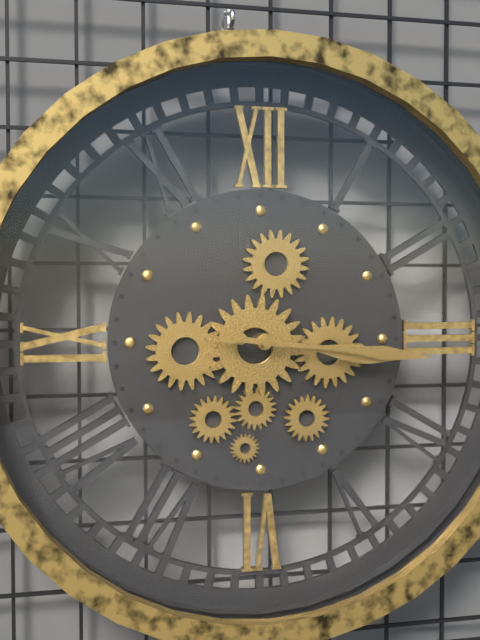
3,16
